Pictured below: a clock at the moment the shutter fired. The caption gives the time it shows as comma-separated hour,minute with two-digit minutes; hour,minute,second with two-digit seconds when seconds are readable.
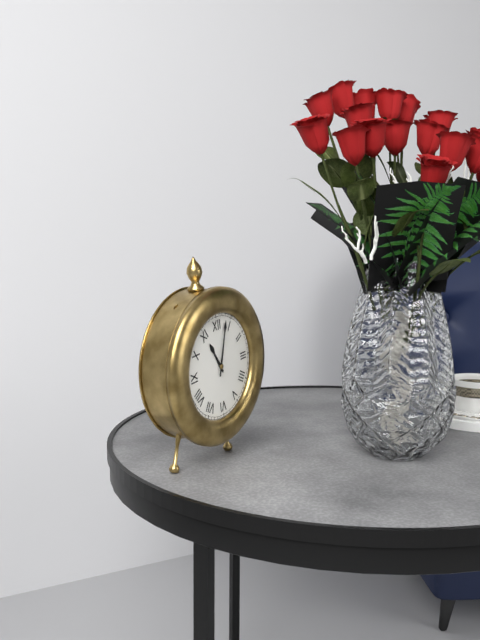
11,03
